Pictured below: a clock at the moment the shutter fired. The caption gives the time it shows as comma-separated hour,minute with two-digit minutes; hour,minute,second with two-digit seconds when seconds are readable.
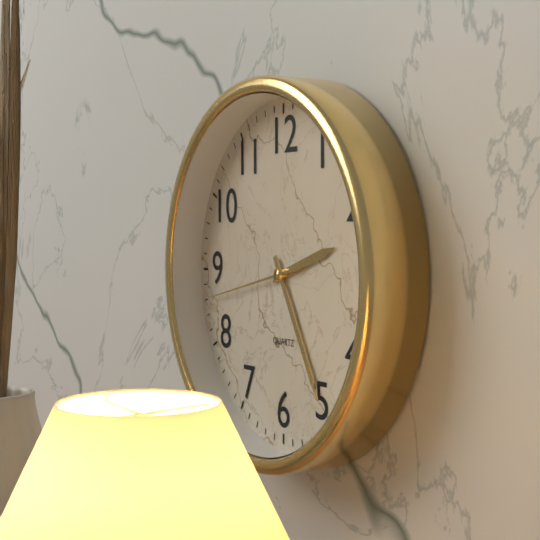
2,25,43
